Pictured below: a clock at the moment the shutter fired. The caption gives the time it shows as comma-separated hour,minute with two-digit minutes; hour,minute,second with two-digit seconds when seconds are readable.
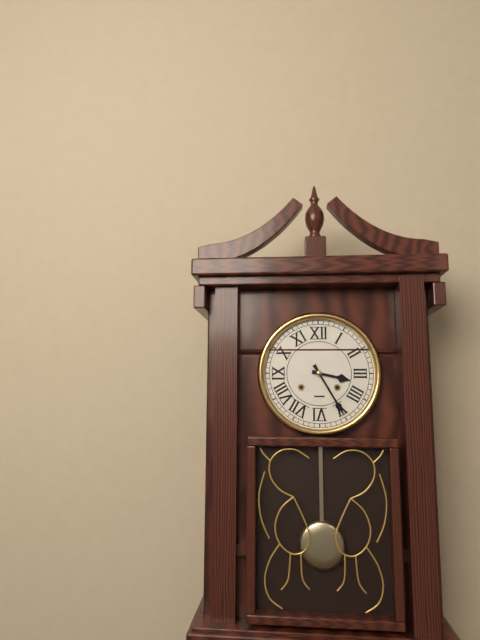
3,25
